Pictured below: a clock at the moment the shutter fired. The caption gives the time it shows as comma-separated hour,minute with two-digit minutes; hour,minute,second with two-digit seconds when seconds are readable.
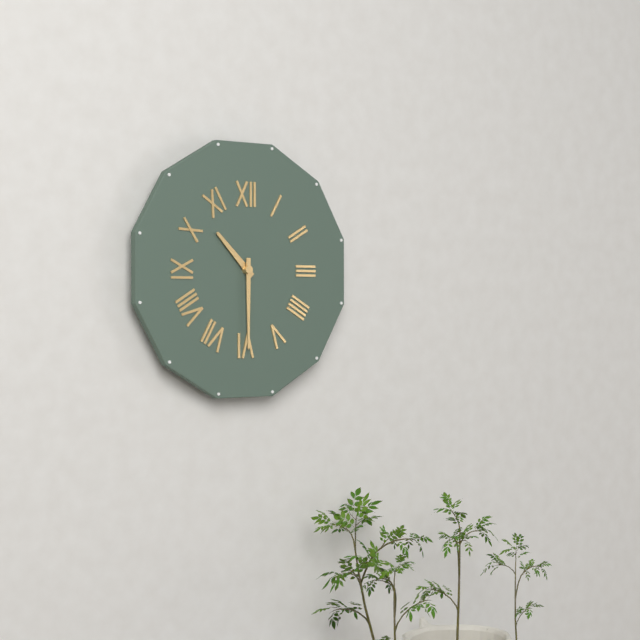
10,30
